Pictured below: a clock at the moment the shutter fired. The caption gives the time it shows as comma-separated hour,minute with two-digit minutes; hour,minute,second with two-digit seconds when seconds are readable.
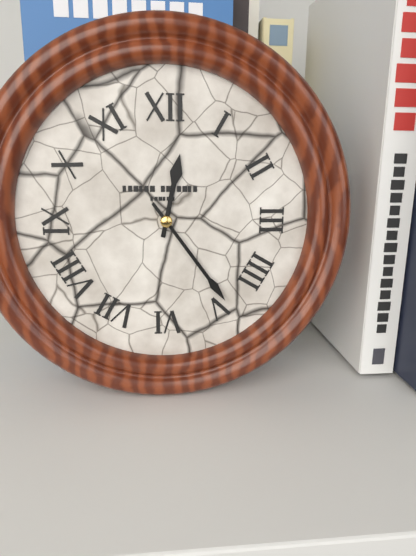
12,24
